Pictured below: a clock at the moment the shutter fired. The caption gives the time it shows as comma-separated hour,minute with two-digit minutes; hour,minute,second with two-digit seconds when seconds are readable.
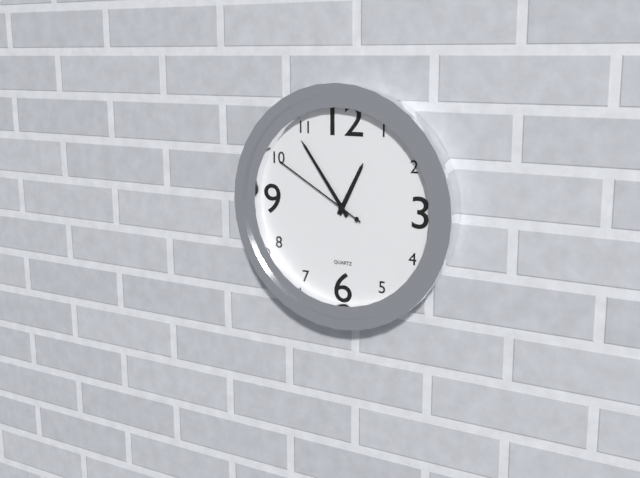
12,54,50
